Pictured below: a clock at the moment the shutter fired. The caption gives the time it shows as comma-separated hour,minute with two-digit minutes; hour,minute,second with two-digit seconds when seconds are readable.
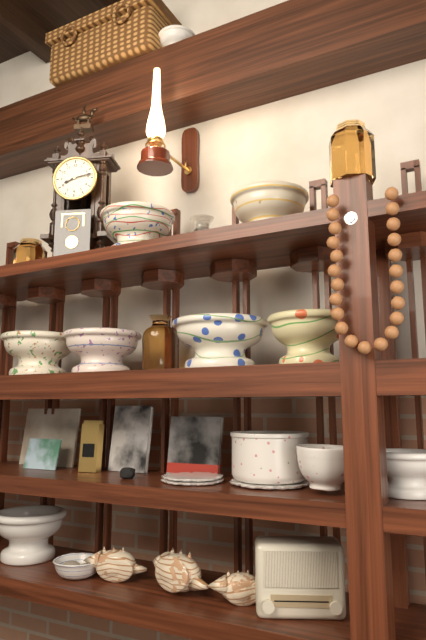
8,13
